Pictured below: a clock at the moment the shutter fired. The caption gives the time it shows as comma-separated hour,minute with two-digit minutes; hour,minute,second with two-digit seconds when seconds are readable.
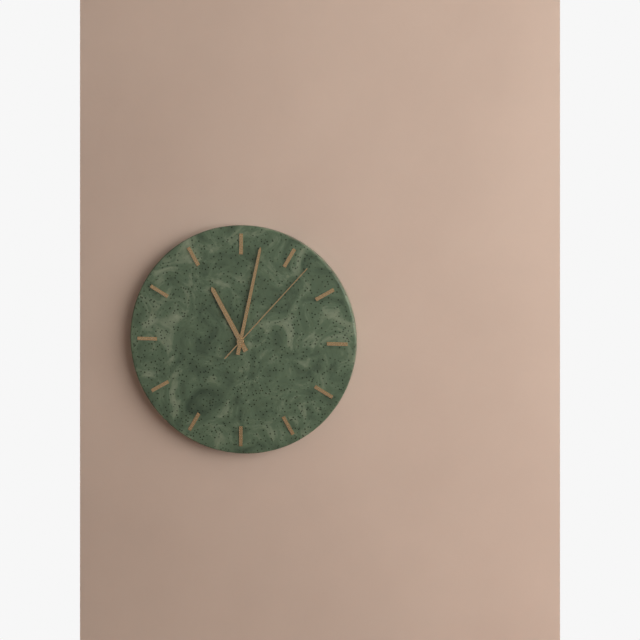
11,02,07
